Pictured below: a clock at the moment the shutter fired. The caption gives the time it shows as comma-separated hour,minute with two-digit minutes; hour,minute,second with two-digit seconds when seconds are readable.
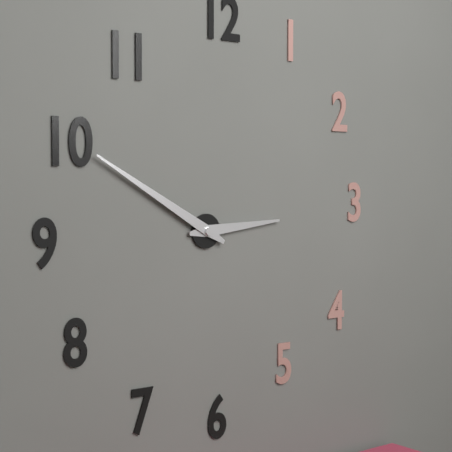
2,50
